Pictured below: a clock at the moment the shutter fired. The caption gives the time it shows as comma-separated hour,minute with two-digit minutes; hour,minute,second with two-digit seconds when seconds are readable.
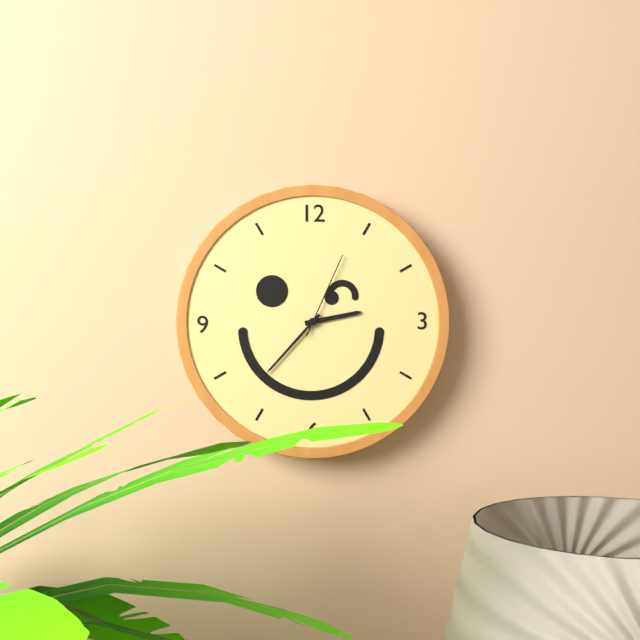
2,37,04
